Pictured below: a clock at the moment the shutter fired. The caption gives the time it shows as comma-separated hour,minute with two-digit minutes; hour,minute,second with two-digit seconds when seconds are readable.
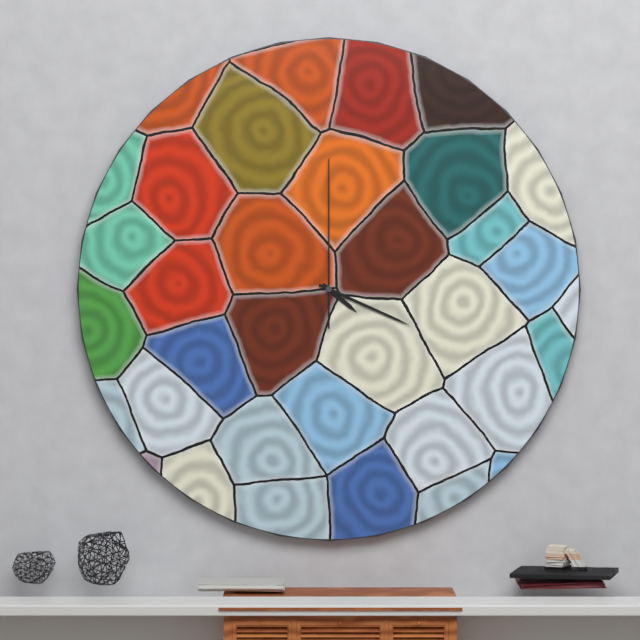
4,19,00
